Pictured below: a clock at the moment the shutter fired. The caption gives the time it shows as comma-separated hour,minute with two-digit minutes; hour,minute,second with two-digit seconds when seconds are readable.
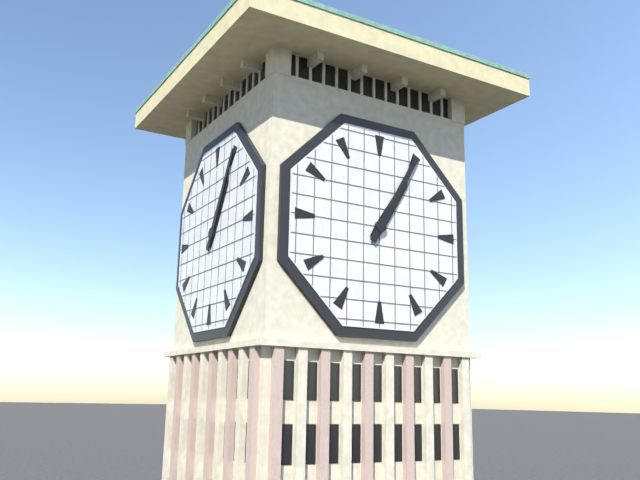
1,05
